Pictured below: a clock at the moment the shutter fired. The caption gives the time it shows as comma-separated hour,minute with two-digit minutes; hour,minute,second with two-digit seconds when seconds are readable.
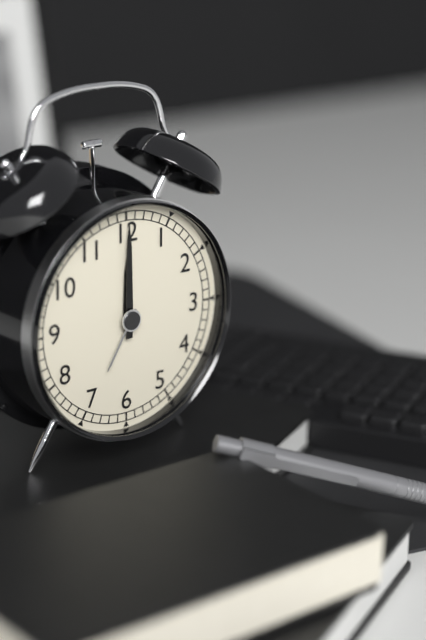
12,00
